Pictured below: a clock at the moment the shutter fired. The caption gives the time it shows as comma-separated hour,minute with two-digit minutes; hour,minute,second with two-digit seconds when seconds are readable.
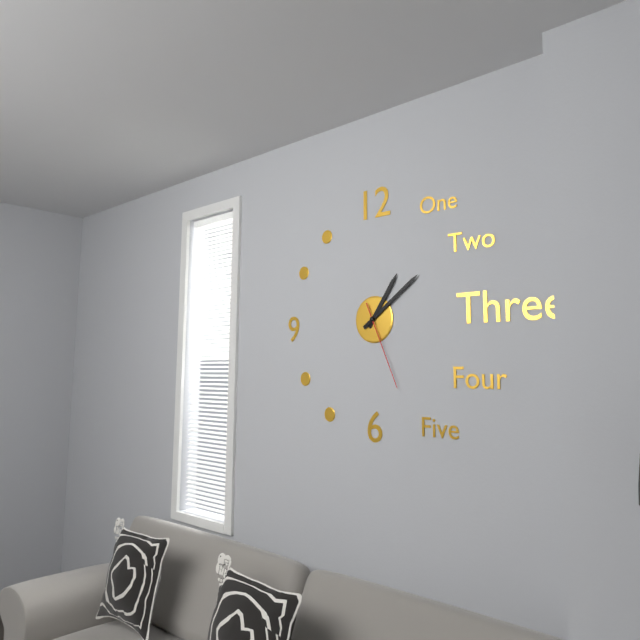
1,09,26
